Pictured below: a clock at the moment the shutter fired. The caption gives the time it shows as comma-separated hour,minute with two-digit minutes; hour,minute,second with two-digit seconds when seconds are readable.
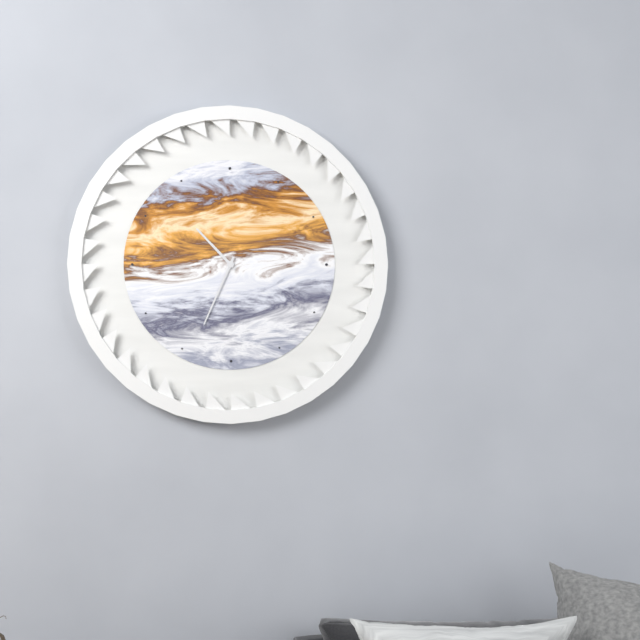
10,34
